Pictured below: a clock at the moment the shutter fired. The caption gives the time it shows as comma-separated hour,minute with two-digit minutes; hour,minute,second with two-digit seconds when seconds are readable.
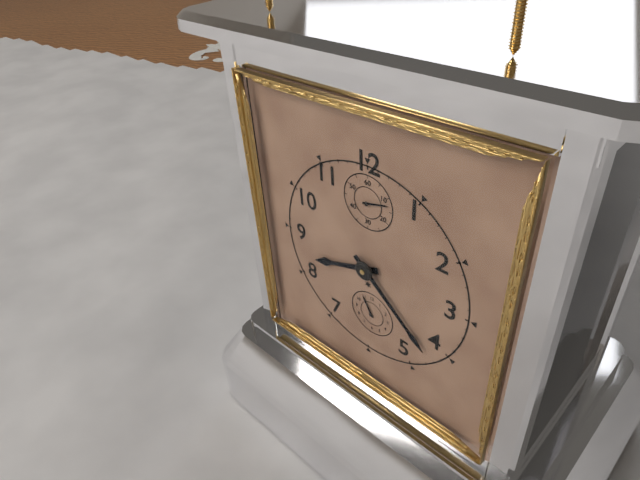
8,22
